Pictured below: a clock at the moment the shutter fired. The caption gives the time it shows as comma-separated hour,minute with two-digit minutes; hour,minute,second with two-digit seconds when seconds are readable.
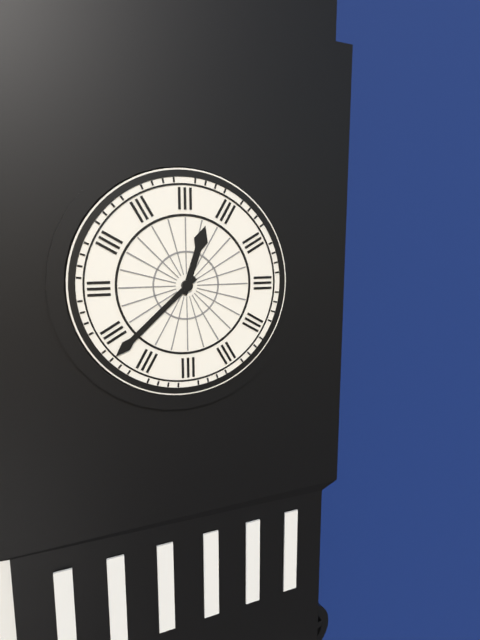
12,38
